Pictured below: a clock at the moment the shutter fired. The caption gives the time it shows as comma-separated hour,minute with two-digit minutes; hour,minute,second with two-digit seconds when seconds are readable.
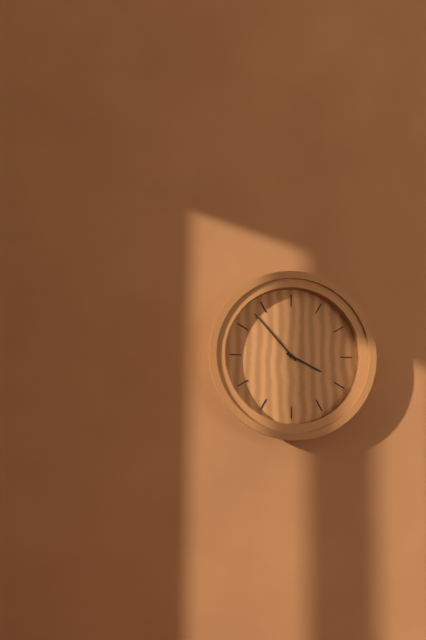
3,53
